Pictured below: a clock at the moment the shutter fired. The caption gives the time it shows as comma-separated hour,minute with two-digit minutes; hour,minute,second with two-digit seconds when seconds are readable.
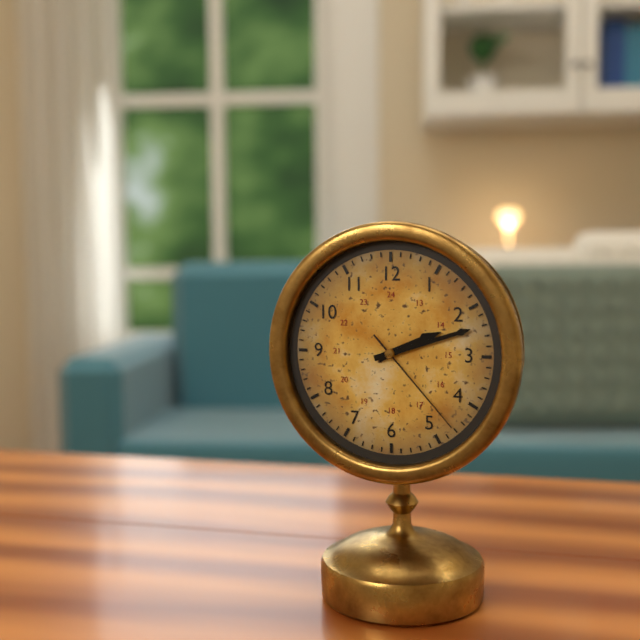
2,12,23
